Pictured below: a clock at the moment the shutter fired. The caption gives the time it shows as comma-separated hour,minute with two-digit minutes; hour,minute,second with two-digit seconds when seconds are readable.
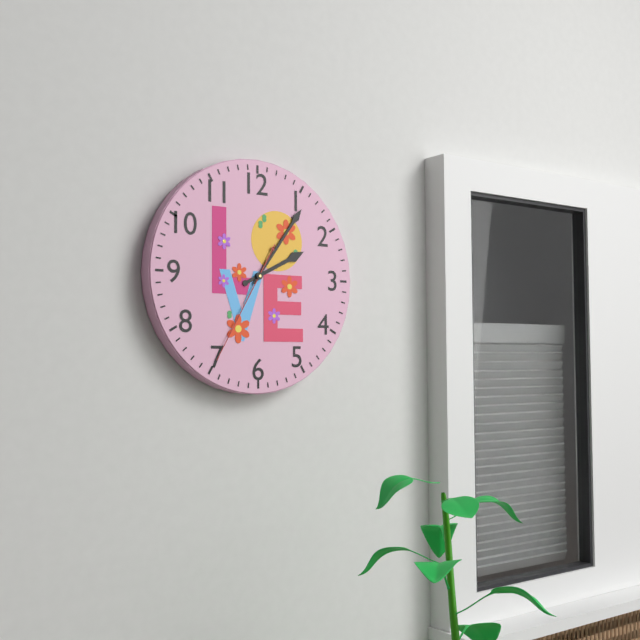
2,06,35
